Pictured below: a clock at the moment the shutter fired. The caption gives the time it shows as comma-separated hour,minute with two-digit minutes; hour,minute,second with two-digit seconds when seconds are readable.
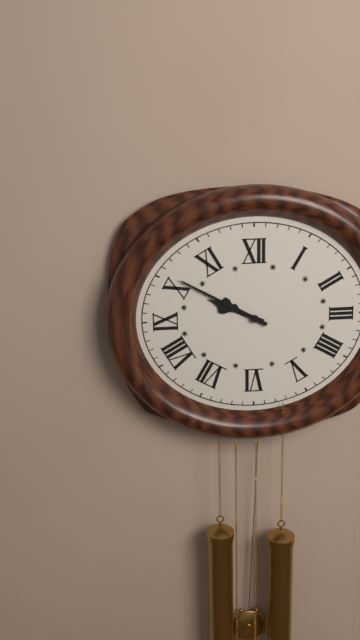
9,50
